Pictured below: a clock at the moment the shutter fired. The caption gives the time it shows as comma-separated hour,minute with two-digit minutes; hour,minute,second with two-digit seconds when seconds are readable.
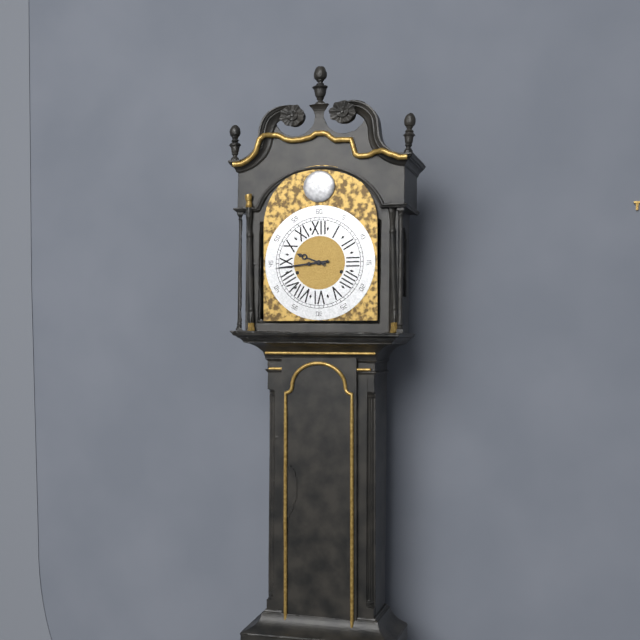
9,44
